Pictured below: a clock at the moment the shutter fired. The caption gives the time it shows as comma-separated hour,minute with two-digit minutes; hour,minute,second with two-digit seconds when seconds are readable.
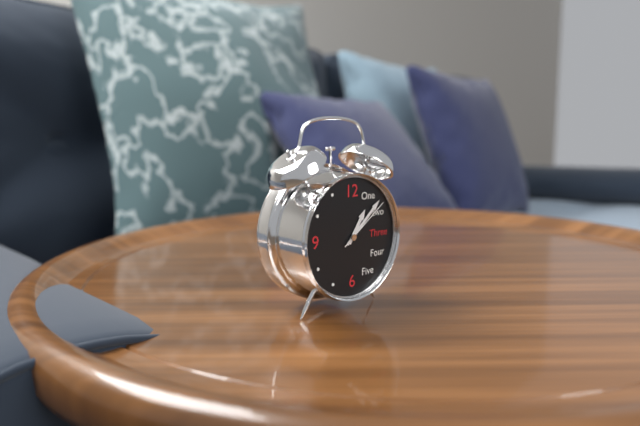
1,08,09
